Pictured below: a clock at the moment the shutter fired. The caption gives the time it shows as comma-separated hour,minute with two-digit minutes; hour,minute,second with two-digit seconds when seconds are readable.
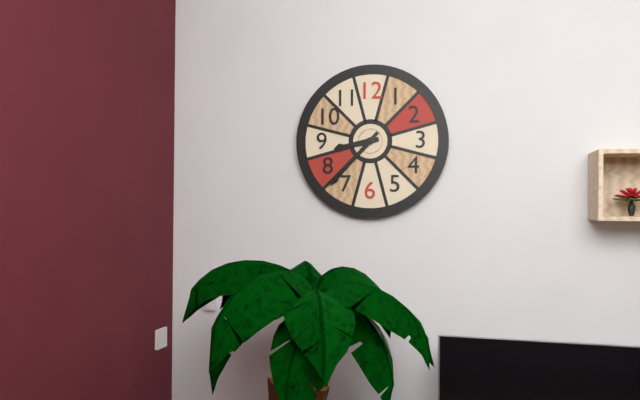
8,37
